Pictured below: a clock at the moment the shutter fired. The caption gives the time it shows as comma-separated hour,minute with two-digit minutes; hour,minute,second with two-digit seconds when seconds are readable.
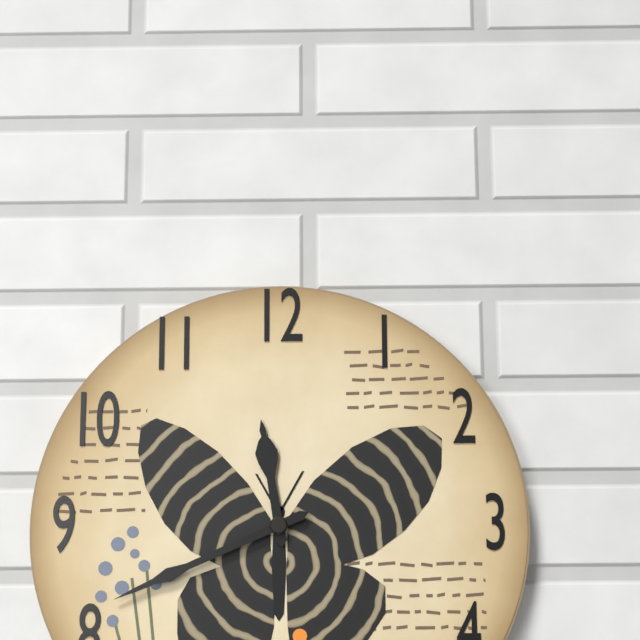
11,41
